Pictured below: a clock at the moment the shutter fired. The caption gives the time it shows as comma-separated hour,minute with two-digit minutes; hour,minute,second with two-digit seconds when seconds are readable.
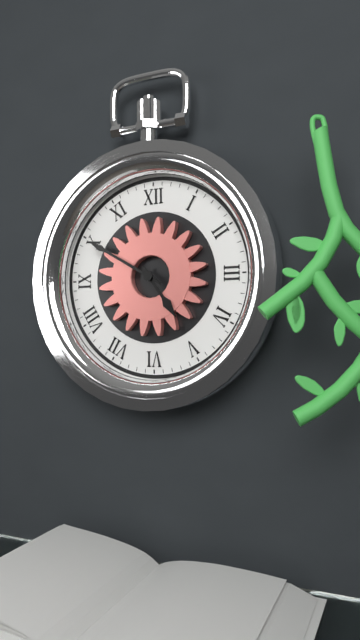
4,50
